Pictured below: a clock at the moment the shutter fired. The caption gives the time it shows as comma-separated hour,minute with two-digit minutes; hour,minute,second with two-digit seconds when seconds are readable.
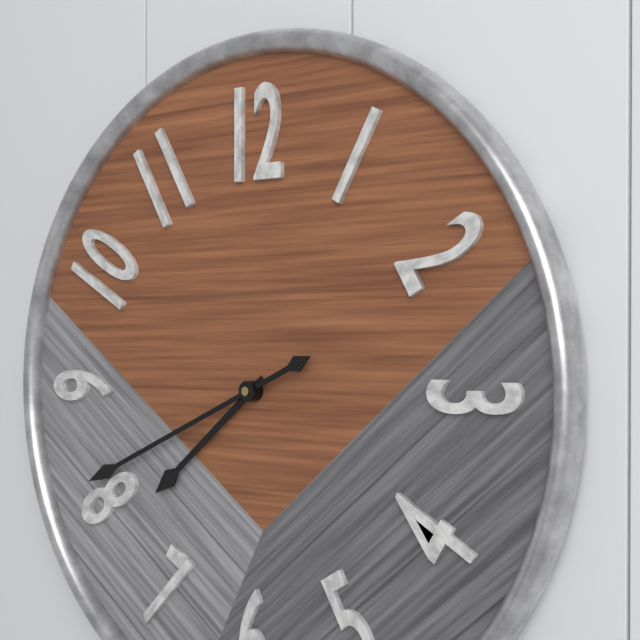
7,41
